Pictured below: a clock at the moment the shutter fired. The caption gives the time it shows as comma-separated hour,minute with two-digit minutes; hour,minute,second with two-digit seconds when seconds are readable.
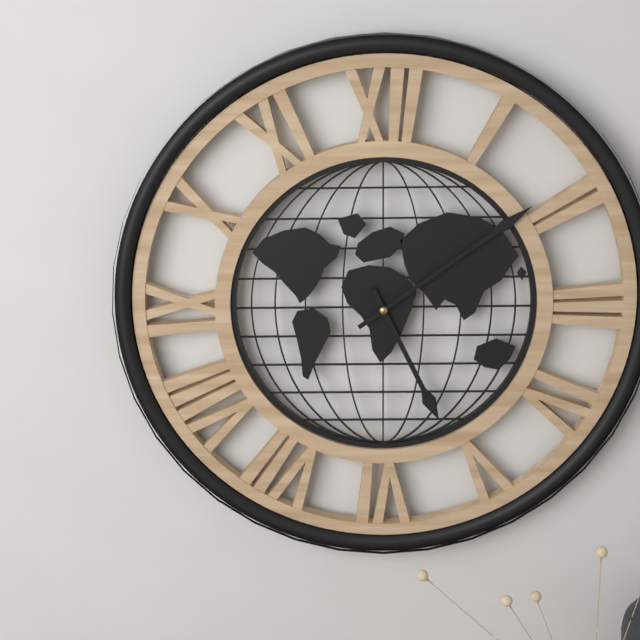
5,09
